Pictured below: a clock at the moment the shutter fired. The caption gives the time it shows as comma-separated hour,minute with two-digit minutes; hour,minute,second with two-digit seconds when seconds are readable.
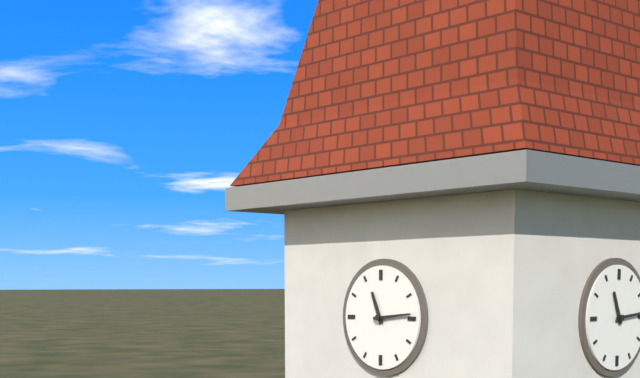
11,14
